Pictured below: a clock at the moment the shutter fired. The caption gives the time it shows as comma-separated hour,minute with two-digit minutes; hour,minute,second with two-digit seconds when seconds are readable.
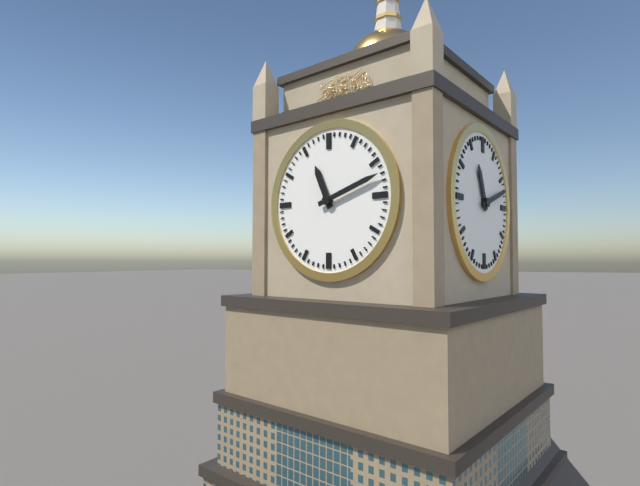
11,12
